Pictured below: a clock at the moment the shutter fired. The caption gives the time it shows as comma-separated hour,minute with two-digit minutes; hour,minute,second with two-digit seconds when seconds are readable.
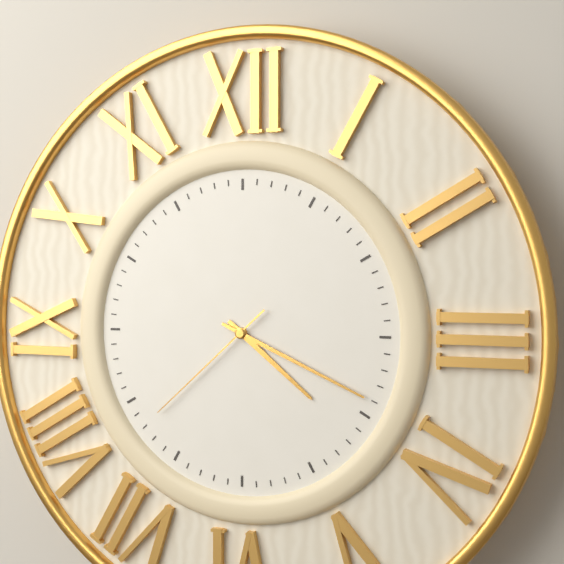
4,19,38
